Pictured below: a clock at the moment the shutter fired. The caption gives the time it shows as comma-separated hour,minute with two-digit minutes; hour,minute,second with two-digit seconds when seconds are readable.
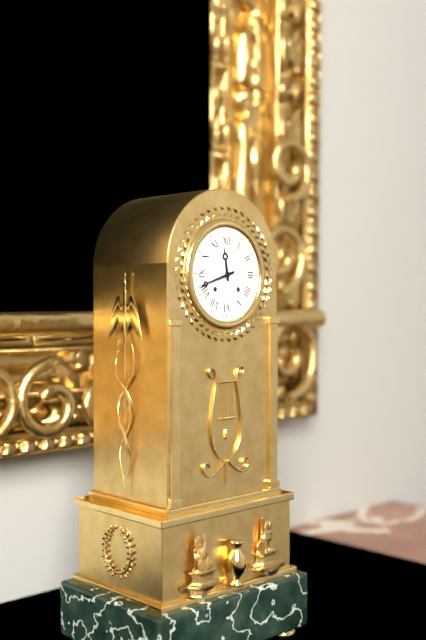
11,42
